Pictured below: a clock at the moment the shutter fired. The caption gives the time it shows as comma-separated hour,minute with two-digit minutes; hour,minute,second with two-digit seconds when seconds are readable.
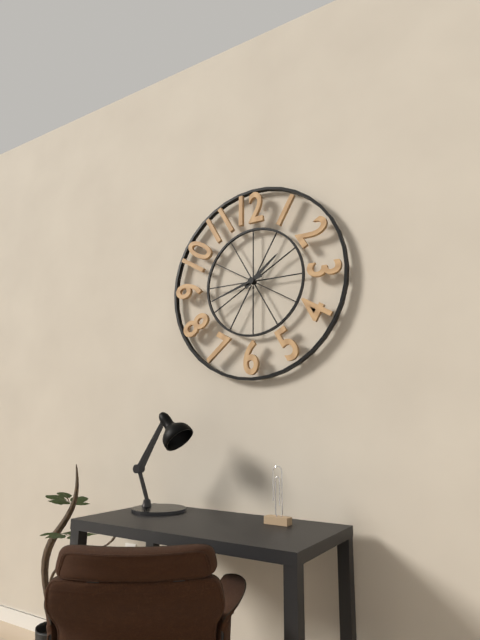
1,42
